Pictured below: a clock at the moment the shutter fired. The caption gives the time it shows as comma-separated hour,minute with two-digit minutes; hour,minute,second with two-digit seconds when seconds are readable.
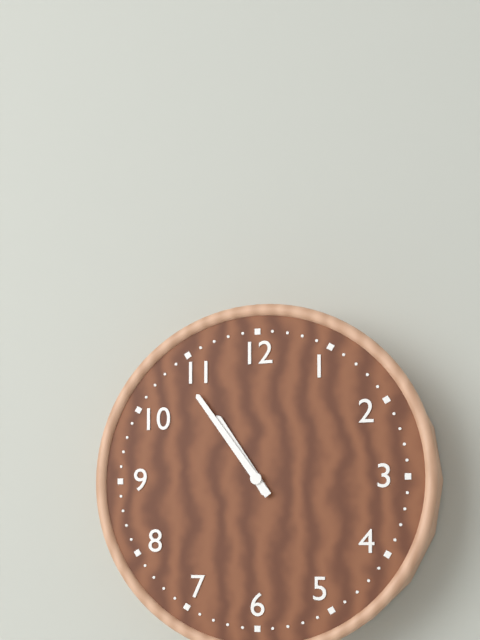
10,54
